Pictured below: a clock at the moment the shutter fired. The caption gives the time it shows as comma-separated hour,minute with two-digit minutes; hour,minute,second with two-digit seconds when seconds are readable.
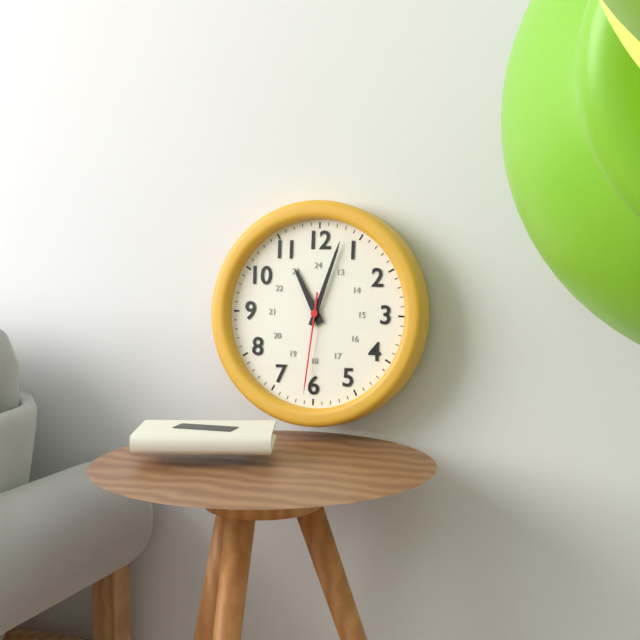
11,03,31
